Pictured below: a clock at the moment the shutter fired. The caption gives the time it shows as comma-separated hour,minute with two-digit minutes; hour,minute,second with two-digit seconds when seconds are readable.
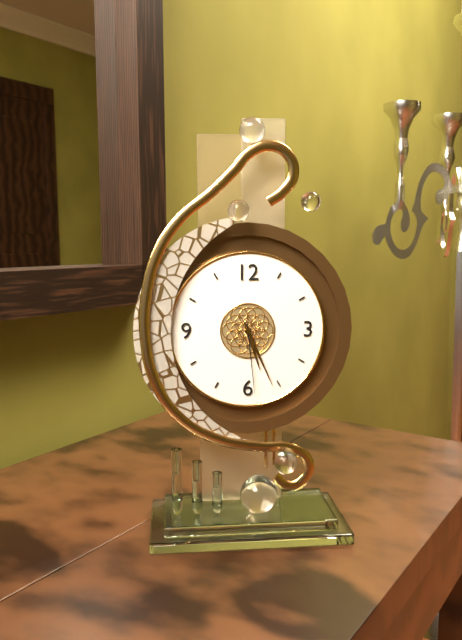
5,26,29
